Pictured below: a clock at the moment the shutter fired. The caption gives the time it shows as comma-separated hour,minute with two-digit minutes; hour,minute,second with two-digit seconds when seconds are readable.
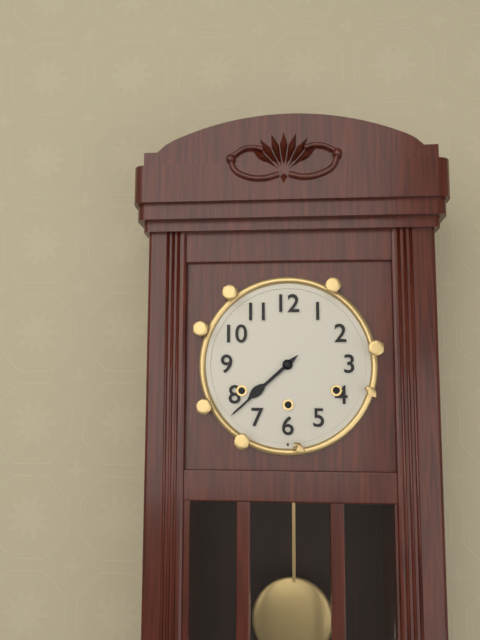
7,38
